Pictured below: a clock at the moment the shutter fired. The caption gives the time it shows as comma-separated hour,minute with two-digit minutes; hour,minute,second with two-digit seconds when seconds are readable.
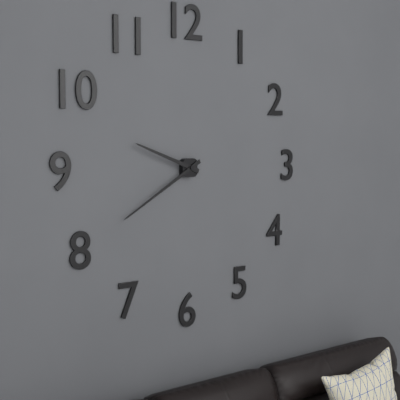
9,40
